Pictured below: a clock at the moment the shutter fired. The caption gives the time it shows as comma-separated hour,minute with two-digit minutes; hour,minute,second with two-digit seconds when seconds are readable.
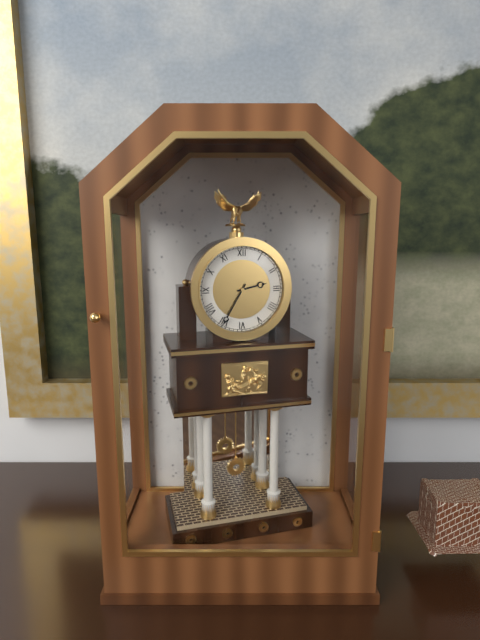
2,35
